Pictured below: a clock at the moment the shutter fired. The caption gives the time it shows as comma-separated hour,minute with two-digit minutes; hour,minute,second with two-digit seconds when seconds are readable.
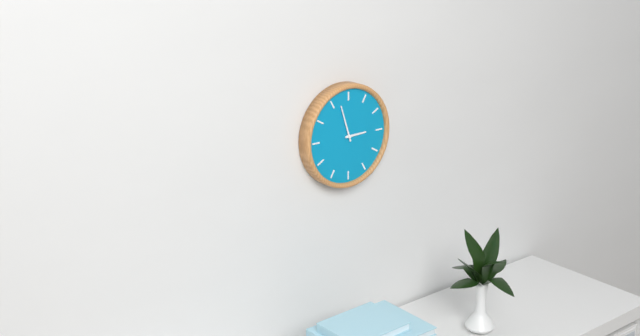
2,57
